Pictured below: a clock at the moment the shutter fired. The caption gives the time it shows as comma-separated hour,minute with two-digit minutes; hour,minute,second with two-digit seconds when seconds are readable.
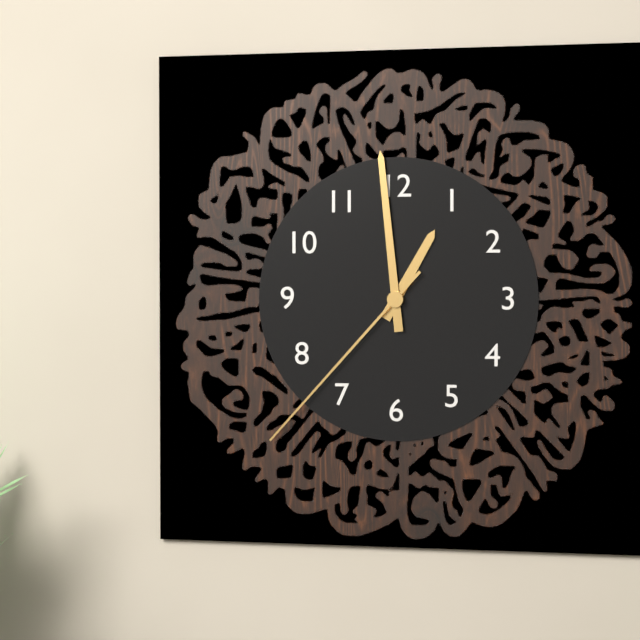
12,59,37
